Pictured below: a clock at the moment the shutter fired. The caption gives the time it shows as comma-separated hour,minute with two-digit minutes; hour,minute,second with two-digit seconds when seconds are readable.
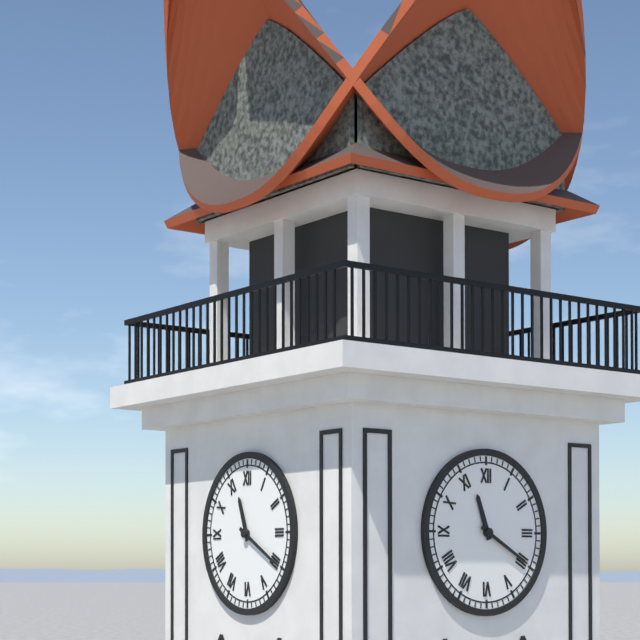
11,20
